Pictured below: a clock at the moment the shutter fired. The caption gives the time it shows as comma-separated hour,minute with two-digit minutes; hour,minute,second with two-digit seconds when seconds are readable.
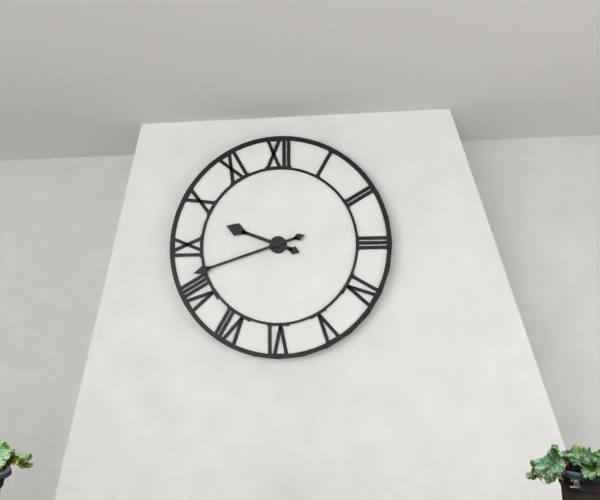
9,42
